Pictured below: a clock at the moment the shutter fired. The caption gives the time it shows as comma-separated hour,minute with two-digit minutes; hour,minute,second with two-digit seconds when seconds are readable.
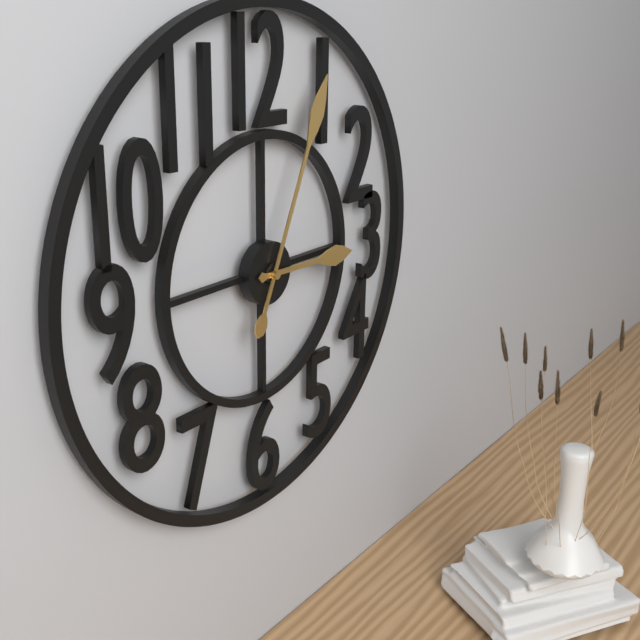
3,04
